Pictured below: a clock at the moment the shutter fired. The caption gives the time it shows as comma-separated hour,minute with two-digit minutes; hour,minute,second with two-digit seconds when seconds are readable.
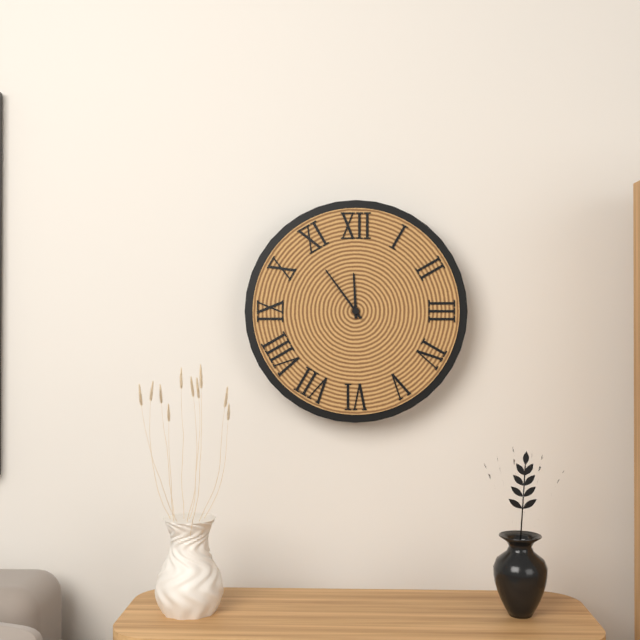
11,54
